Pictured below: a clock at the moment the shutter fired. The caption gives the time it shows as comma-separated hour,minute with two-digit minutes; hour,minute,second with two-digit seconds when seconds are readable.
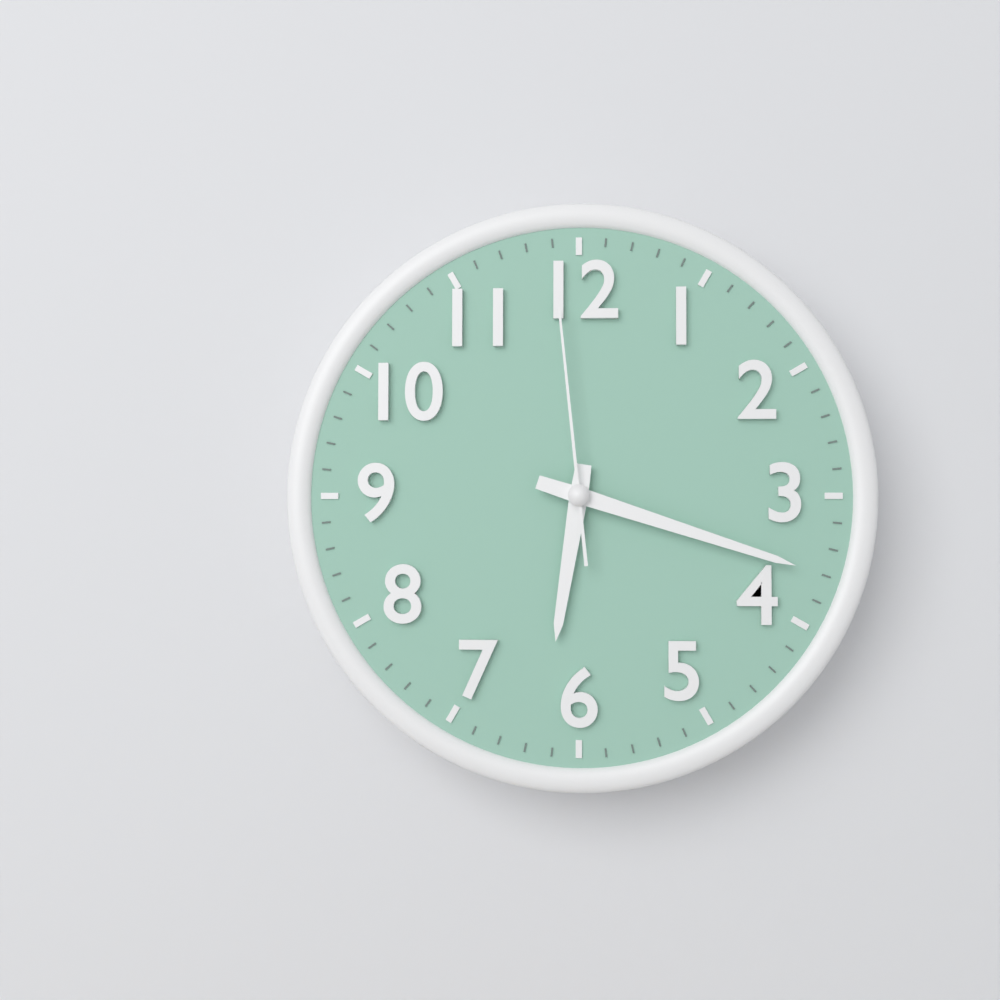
6,18,59
